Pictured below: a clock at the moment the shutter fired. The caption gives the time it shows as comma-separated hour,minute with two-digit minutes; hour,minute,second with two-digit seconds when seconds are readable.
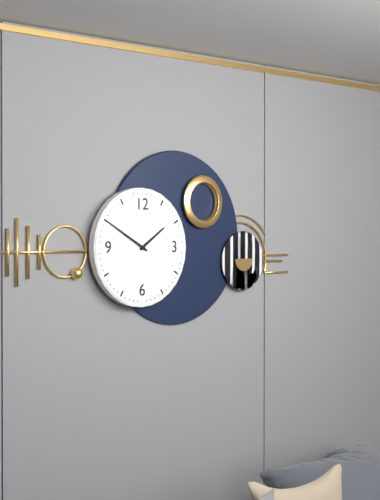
1,50
